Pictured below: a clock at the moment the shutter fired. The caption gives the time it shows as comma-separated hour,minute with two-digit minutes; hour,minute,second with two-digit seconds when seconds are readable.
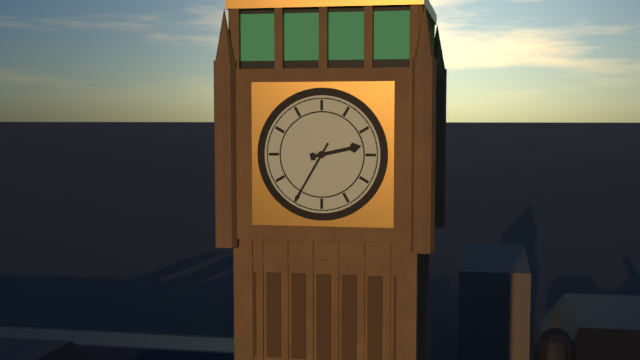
2,35
